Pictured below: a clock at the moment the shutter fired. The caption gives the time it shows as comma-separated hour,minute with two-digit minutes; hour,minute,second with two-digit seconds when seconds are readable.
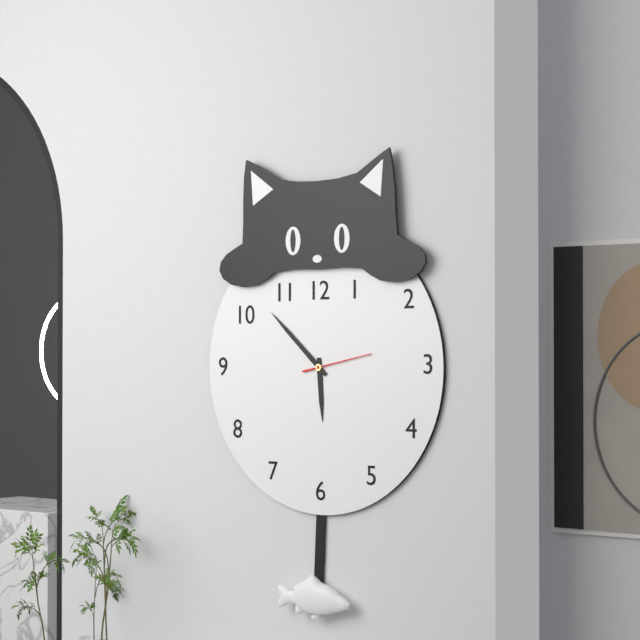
5,52,13
